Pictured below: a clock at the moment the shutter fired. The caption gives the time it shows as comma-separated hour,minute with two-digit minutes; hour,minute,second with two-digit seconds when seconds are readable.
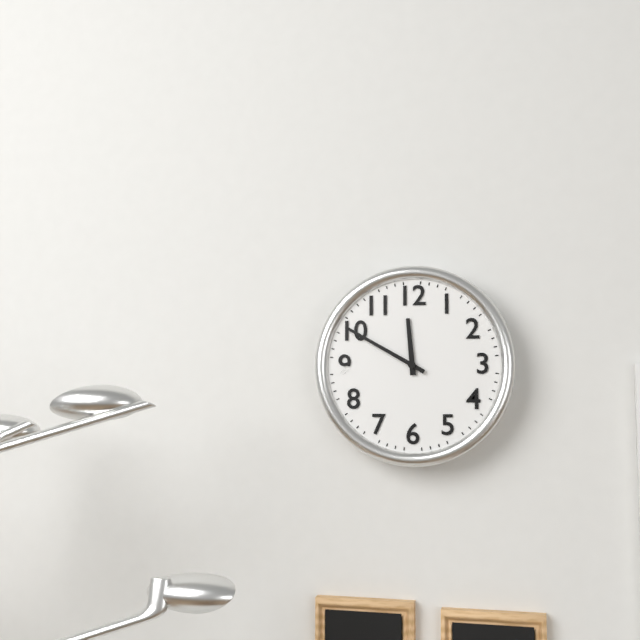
11,50
